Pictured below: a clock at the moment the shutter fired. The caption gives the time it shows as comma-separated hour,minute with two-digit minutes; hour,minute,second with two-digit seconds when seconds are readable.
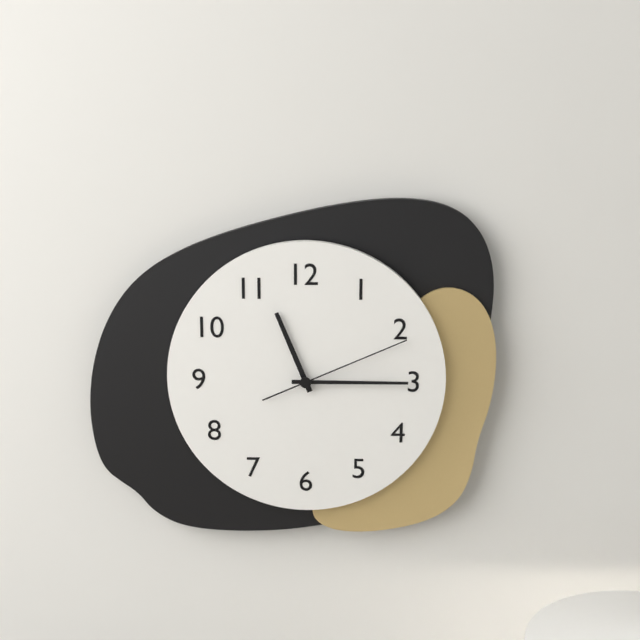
11,15,11
